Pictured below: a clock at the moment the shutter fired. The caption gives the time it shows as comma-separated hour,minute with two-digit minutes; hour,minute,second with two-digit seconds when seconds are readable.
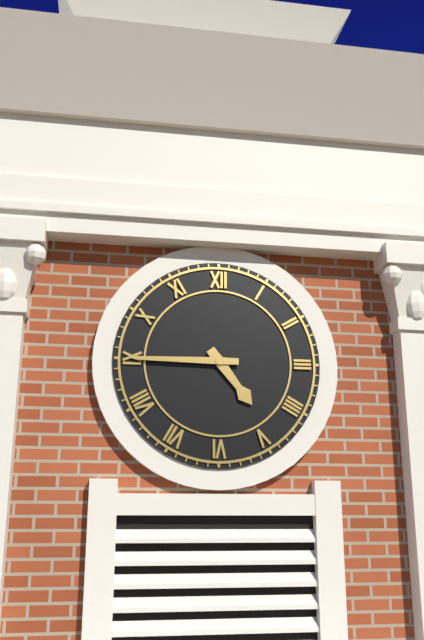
4,45
